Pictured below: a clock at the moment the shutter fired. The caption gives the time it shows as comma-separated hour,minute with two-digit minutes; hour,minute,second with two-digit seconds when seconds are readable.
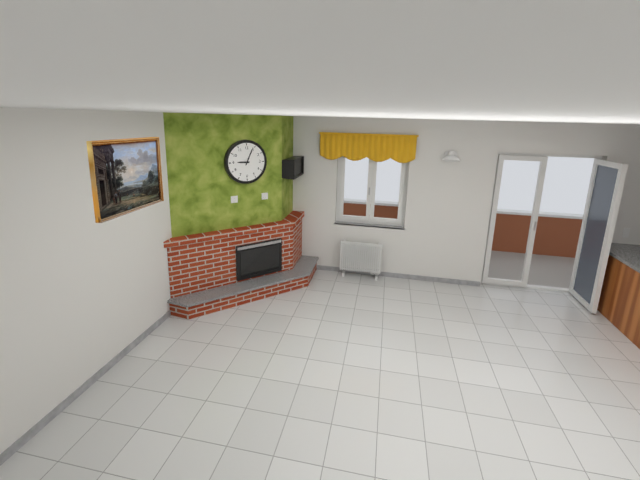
9,04
